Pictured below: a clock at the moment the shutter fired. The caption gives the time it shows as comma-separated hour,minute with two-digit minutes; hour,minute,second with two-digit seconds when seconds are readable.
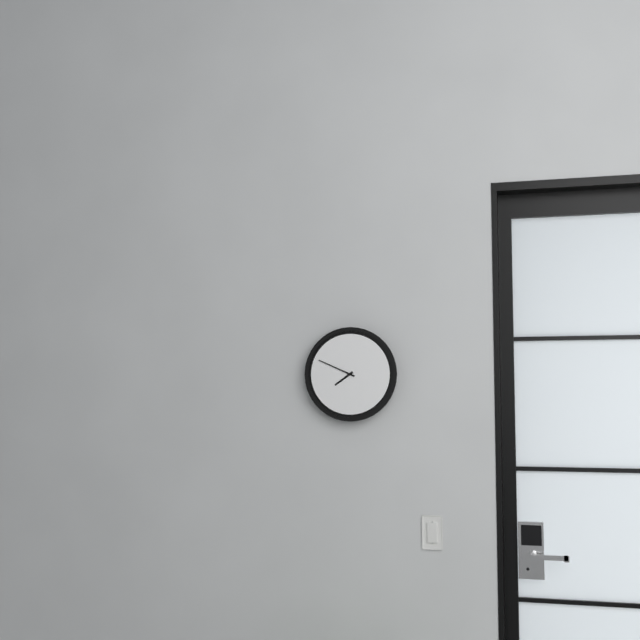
7,49
